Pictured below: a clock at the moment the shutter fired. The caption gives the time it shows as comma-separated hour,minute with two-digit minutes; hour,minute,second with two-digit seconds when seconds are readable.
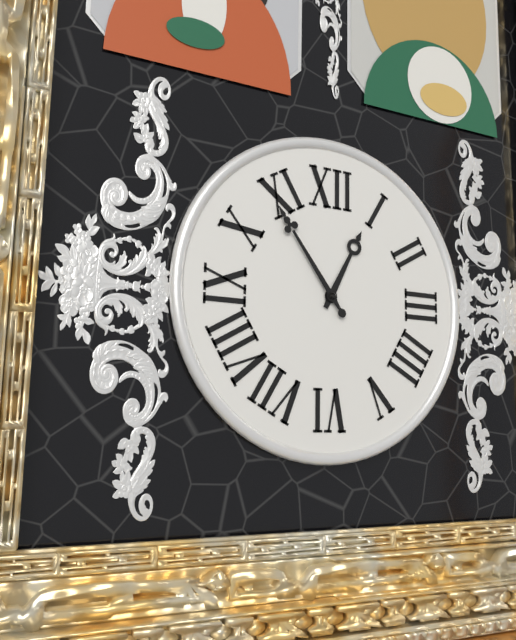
12,54
